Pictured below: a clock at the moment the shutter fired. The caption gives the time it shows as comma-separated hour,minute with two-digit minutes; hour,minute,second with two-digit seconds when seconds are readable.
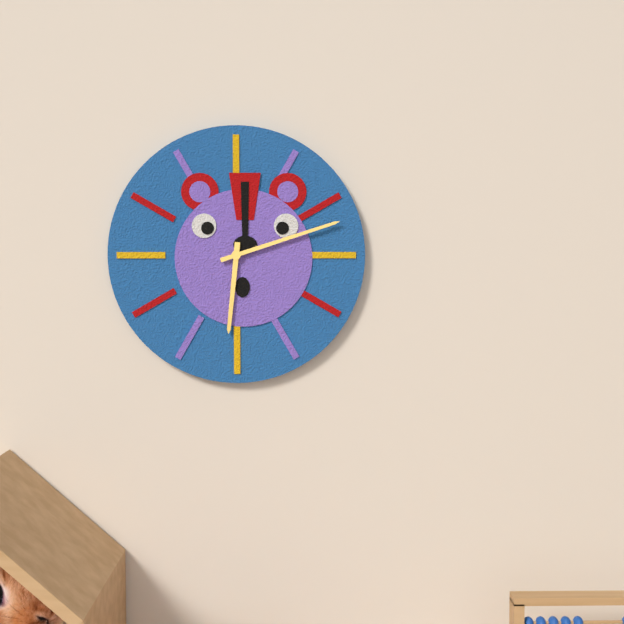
6,12
